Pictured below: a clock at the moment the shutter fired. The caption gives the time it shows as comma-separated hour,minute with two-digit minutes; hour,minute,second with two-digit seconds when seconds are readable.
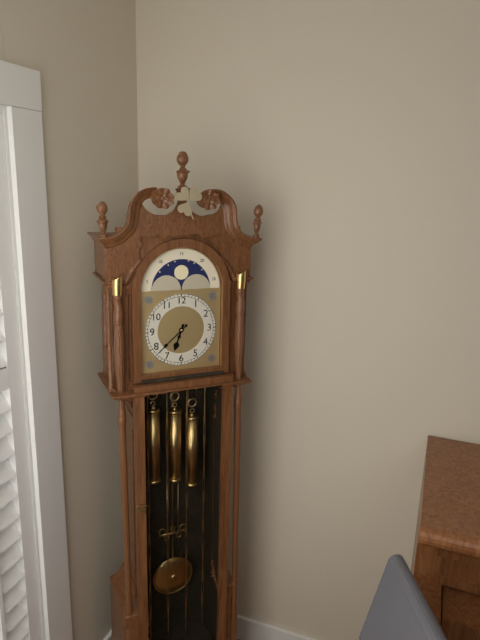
6,38
